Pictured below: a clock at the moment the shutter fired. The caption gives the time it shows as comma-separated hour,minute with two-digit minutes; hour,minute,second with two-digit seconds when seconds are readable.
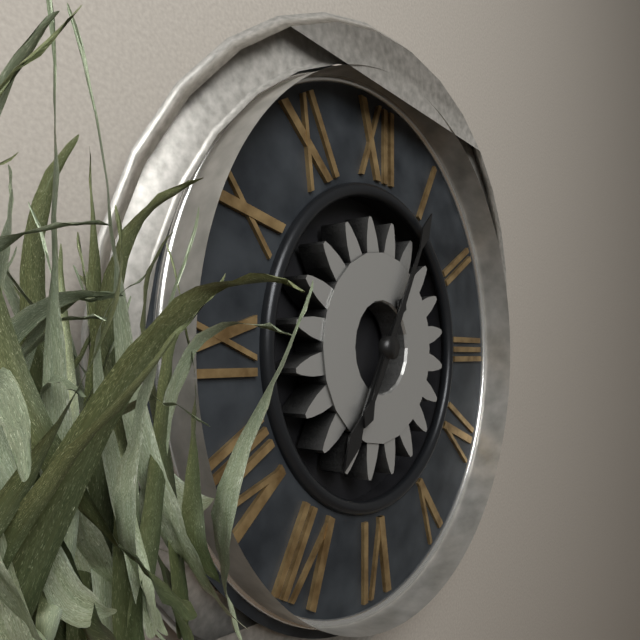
7,05
